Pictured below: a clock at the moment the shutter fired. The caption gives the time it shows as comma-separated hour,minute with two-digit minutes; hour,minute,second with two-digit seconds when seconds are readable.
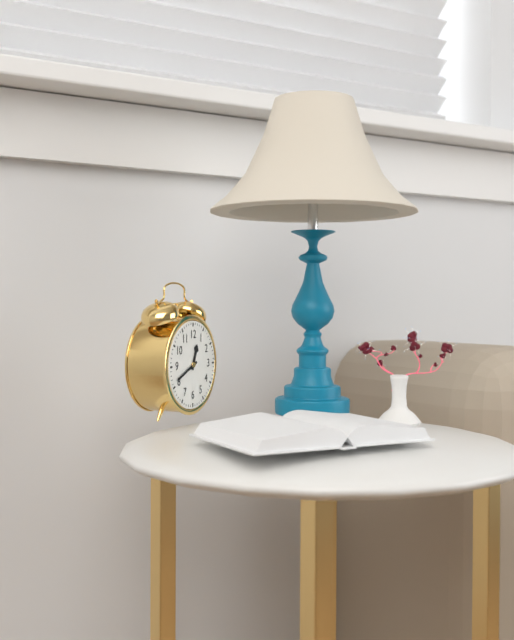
12,41
